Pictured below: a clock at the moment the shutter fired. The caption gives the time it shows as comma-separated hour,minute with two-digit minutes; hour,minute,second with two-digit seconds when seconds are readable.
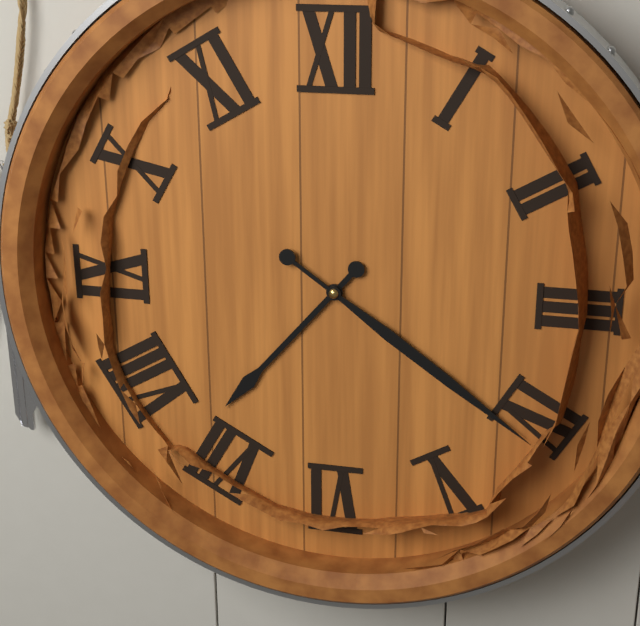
7,21
